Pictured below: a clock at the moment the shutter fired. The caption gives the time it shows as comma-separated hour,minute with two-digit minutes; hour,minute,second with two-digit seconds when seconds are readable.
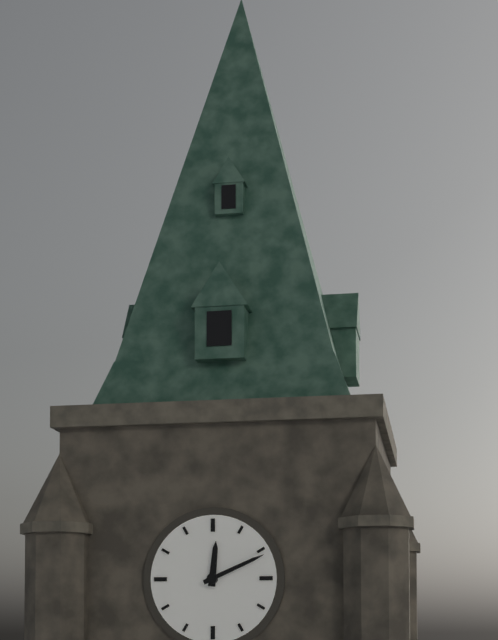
12,11
